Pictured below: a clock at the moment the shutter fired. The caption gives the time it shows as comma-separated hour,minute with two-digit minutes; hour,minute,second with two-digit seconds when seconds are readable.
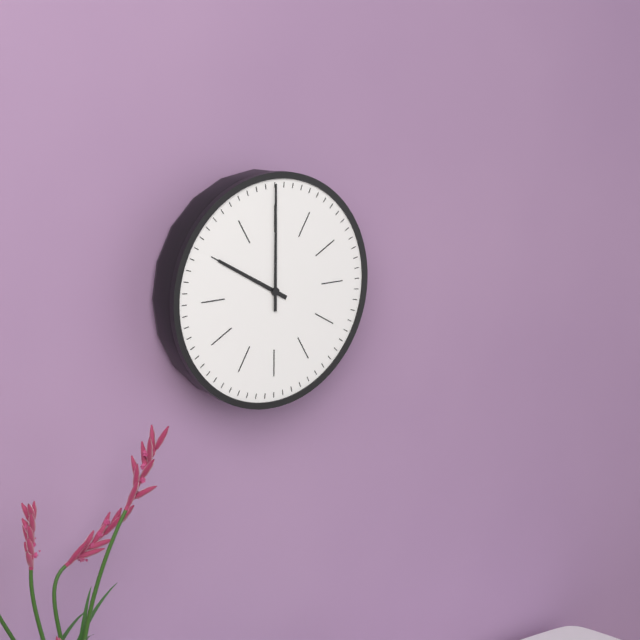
10,00
